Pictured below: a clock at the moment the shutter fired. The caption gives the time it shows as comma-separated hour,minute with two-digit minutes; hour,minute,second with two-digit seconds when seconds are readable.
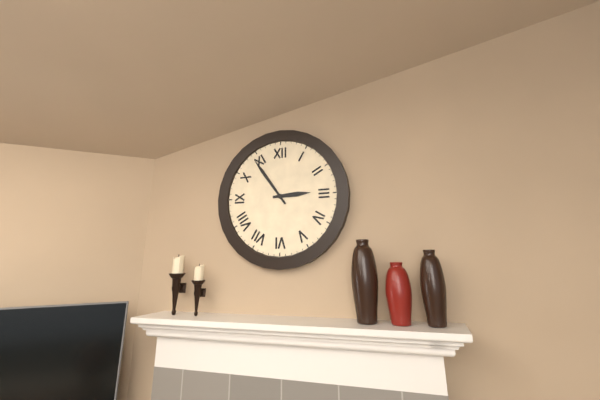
2,54
